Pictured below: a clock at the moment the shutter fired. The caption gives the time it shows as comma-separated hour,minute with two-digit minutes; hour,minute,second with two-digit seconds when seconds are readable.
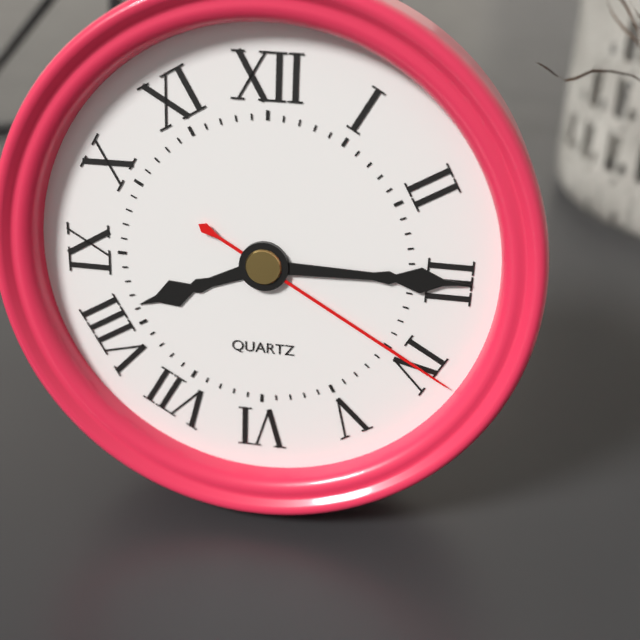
8,15,20
